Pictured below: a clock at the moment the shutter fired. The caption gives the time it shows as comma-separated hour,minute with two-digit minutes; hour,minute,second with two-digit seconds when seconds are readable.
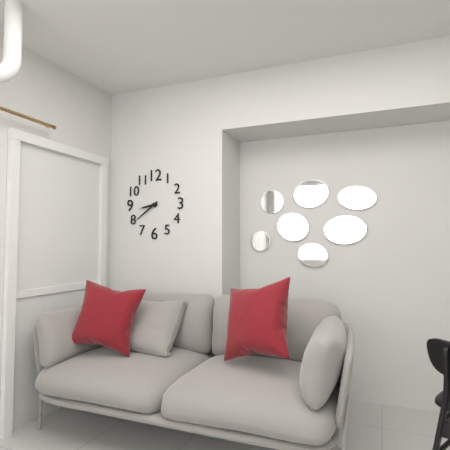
8,39
